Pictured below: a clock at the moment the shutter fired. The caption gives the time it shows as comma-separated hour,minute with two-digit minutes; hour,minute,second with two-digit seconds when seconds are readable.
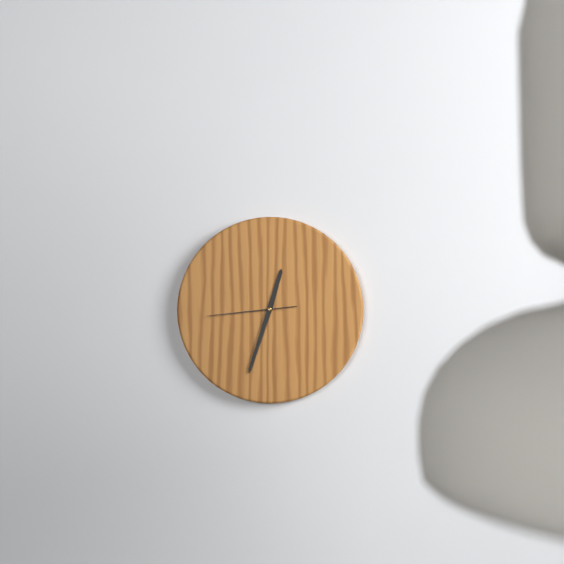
12,33,44
